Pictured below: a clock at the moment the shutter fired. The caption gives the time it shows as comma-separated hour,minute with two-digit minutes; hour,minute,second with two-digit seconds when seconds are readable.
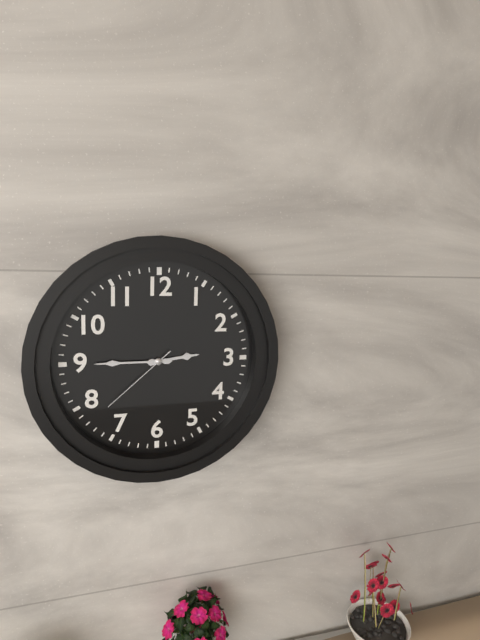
2,45,38
